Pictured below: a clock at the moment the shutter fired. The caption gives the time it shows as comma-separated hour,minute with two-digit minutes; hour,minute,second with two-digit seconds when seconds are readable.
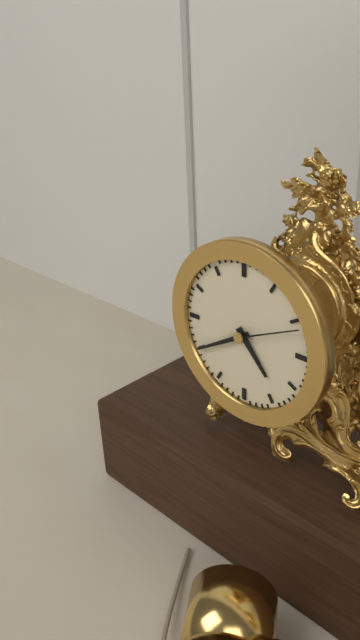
4,40,11
